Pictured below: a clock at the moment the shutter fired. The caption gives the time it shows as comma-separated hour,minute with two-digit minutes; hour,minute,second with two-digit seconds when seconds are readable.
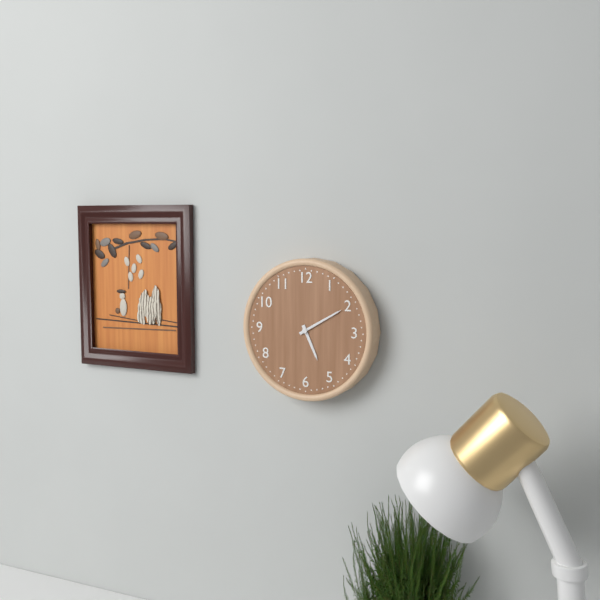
5,10
